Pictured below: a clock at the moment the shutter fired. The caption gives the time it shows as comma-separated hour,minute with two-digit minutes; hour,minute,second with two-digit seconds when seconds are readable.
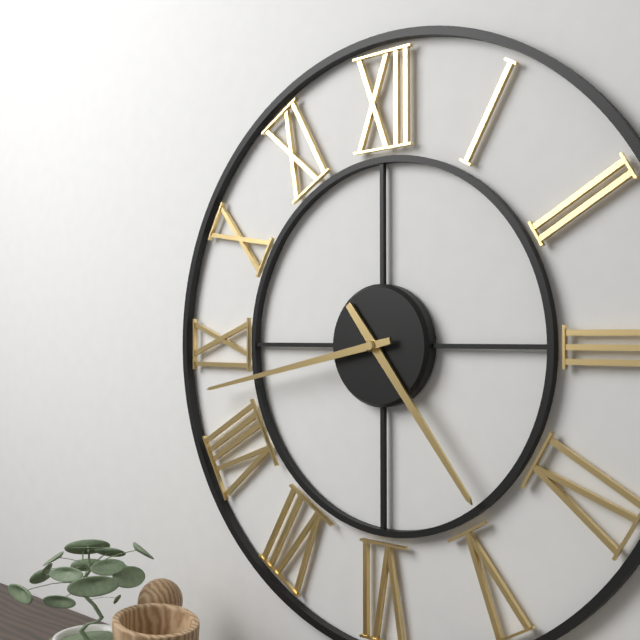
4,43
